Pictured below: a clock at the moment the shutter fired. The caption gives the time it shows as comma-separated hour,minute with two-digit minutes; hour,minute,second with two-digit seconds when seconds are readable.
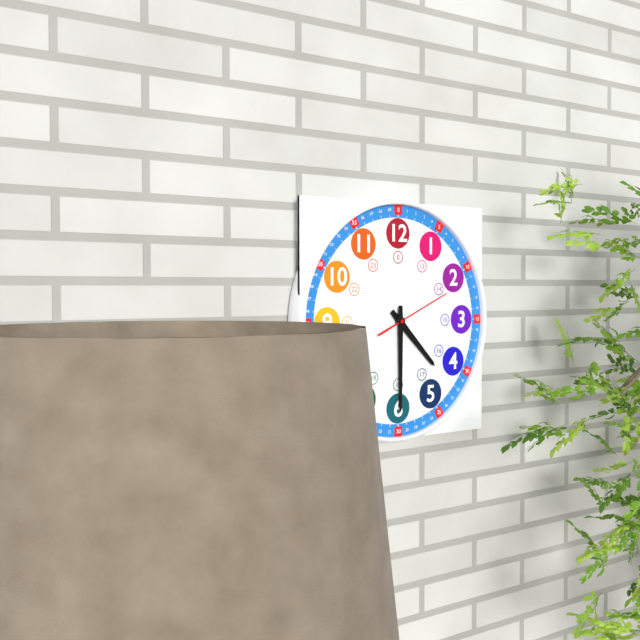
4,30,11
